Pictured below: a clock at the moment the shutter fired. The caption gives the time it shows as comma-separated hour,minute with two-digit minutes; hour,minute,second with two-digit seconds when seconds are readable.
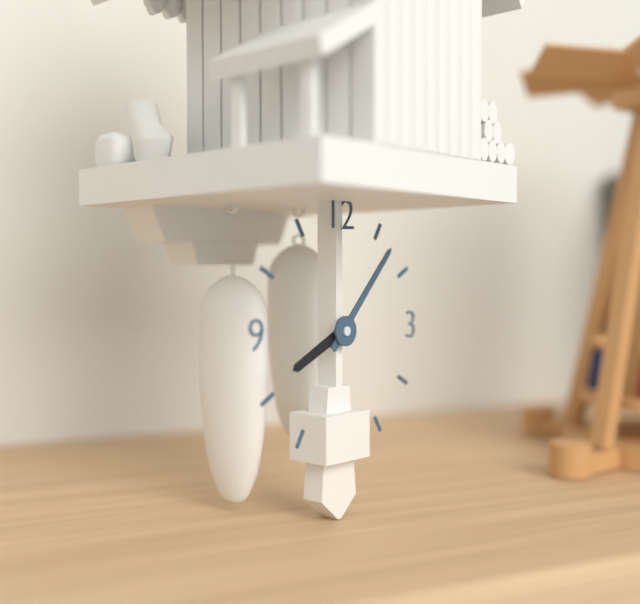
8,07
